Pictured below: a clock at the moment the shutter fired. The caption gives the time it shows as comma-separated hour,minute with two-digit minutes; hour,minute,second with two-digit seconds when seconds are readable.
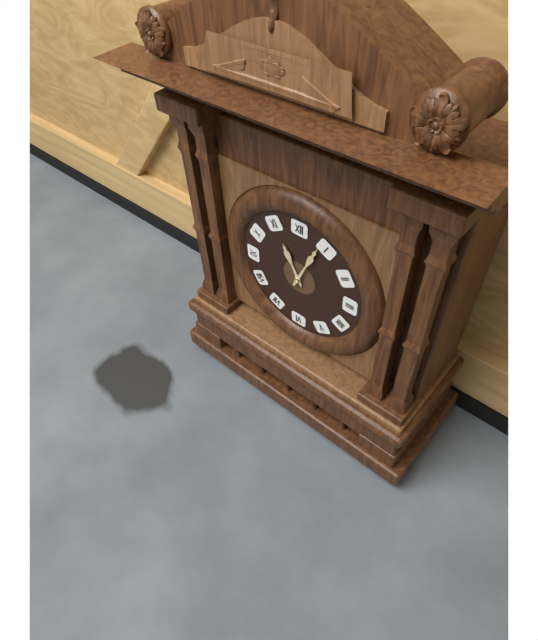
11,04
